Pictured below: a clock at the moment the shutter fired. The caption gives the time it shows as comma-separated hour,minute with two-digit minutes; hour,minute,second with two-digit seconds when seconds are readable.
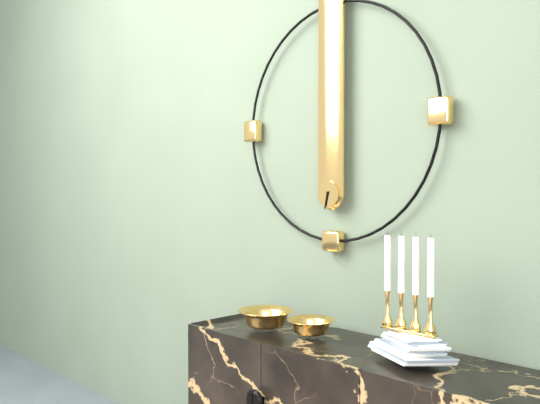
6,32
